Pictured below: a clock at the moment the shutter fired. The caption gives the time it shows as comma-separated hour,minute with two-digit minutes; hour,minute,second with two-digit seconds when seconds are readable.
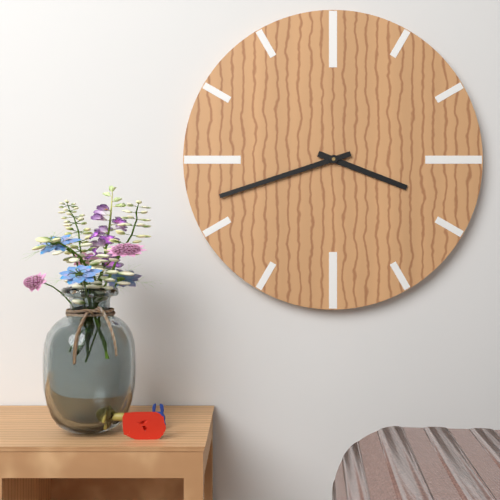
3,42
